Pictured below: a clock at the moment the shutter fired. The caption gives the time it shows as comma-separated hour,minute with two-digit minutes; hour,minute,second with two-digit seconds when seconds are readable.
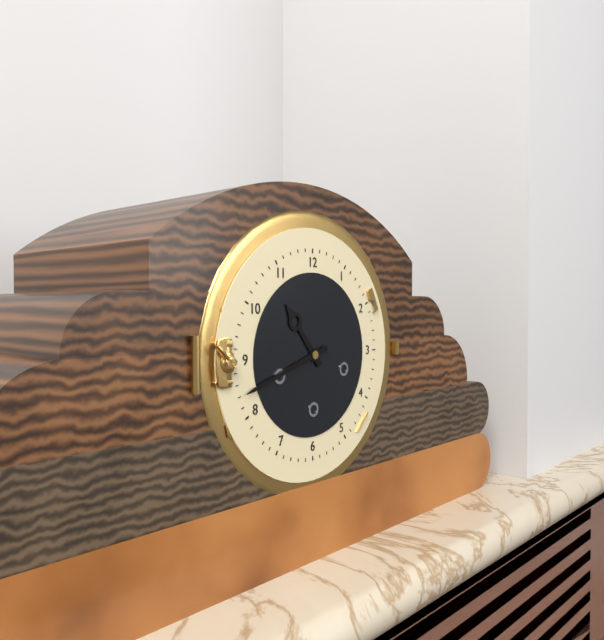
10,42
